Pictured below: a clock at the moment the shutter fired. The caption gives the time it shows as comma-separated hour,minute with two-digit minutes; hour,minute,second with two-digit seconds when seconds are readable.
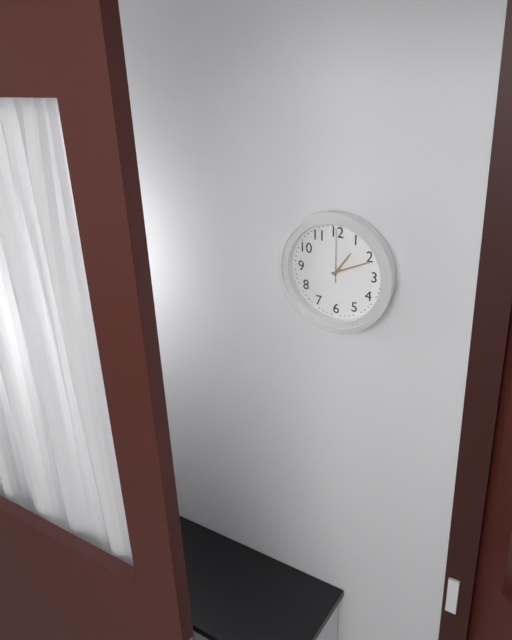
1,11,00
